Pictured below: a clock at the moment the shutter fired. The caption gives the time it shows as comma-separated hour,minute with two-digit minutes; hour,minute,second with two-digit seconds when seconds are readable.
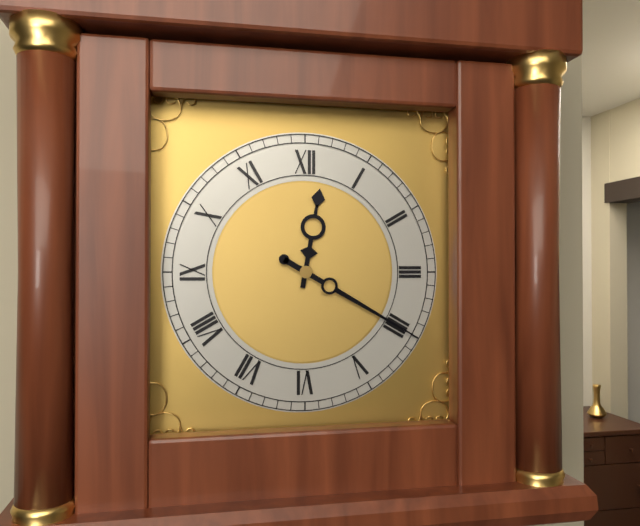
12,20
